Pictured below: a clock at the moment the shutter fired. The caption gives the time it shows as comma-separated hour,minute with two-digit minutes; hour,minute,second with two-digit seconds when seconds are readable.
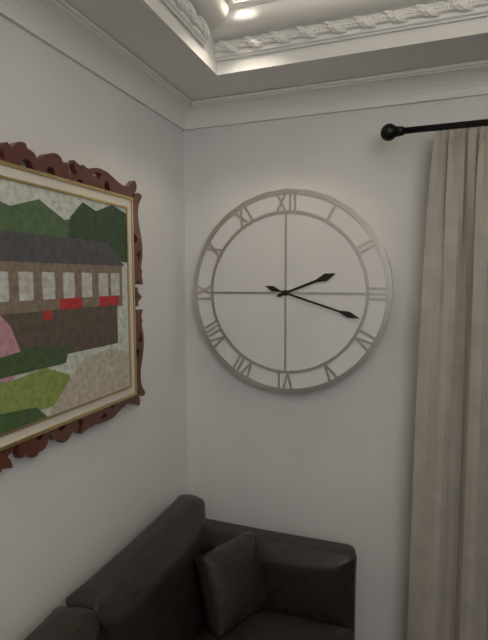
2,18
